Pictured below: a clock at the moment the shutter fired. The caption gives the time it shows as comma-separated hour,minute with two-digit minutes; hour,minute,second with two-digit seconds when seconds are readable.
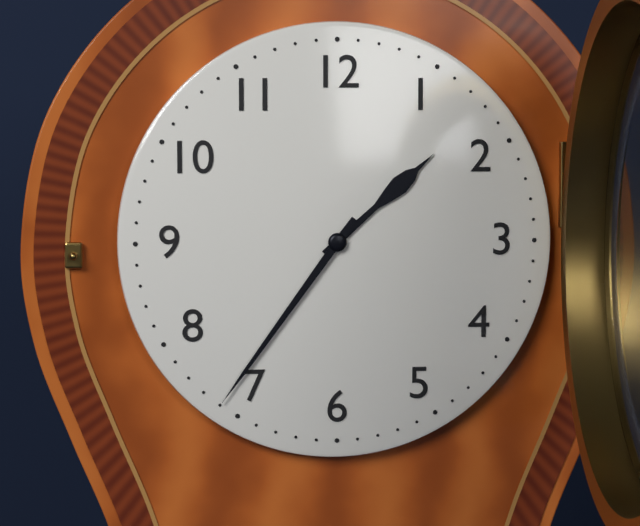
1,36
